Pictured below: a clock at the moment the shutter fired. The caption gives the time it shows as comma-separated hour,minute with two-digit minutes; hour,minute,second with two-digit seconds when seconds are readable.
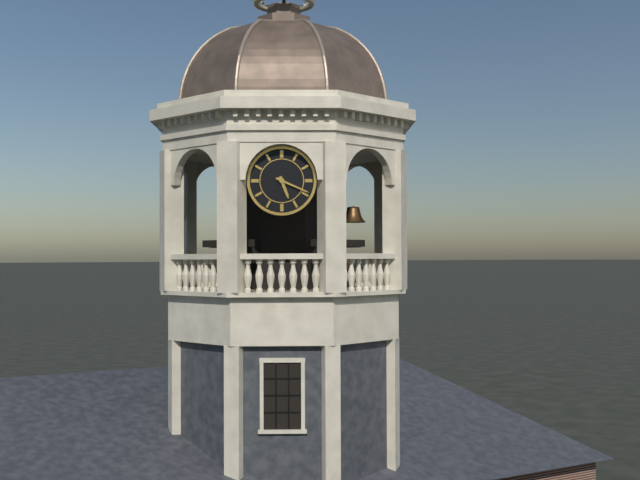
5,19
